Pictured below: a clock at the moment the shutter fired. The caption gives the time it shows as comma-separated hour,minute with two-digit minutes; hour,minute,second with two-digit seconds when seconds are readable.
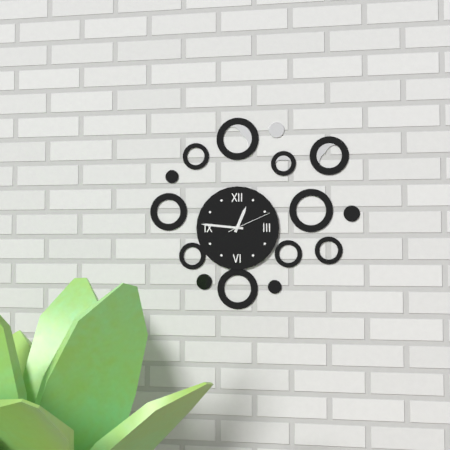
12,46
